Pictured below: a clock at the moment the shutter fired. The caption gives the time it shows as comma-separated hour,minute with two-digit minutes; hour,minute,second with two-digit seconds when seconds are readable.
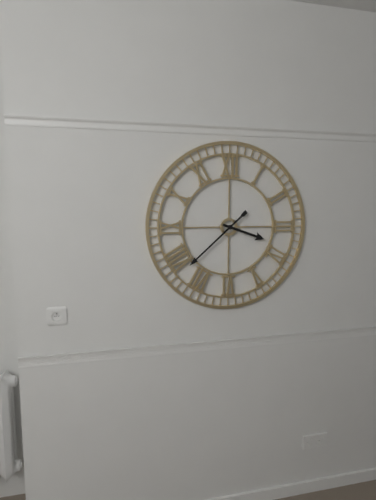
3,38
